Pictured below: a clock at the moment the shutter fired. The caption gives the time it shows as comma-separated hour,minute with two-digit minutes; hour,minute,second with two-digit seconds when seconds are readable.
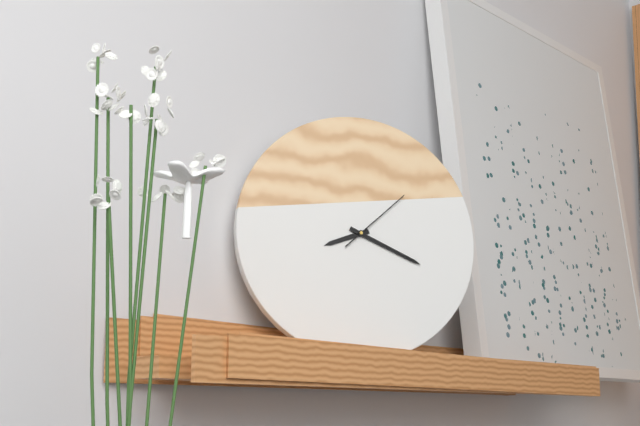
8,19,08
